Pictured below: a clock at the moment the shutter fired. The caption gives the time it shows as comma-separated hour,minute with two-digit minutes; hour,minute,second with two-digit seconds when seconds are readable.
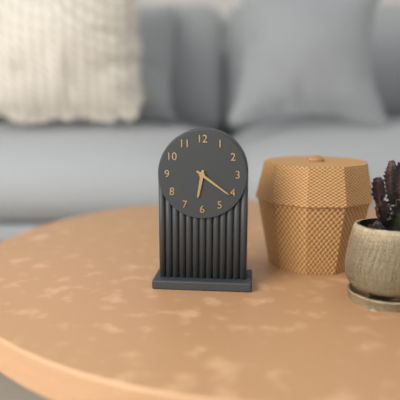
6,21
